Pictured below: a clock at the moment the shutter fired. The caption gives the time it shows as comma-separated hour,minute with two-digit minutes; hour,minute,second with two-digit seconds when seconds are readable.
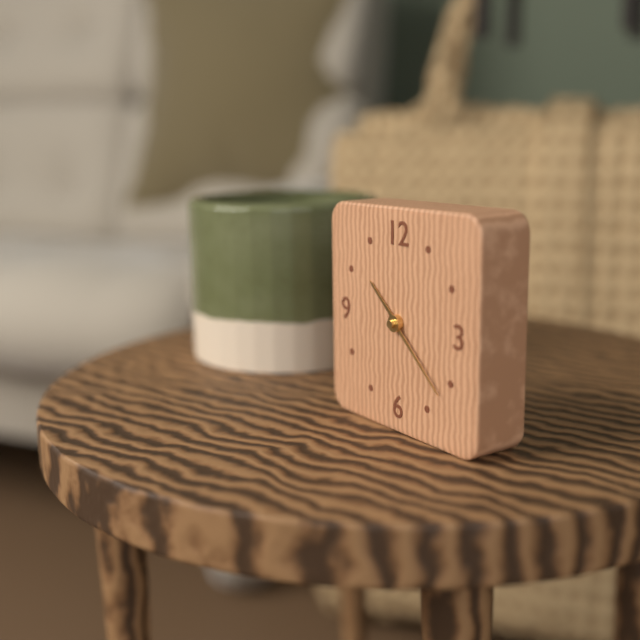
10,22
